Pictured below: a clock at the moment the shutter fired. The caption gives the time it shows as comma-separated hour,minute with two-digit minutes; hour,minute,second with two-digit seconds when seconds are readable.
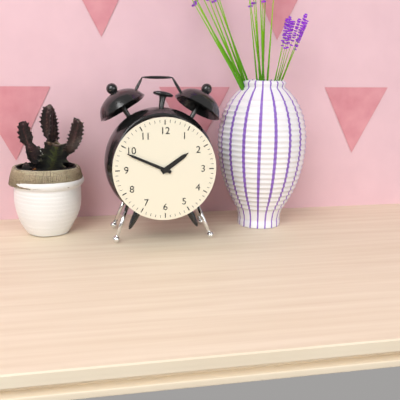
1,49
